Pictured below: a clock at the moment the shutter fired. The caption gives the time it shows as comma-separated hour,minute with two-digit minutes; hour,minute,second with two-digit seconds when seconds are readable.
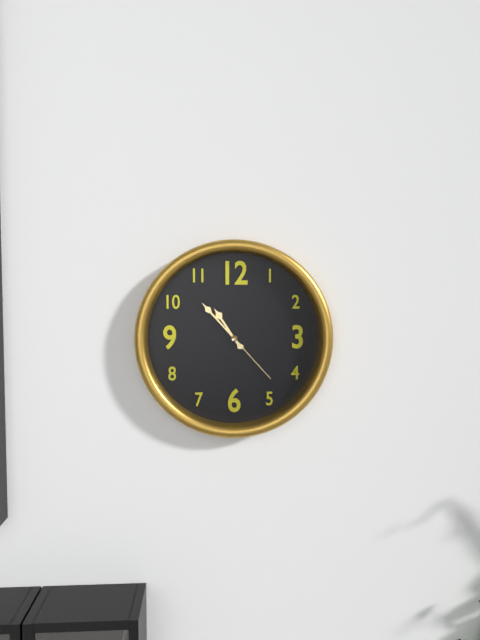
10,53,23
